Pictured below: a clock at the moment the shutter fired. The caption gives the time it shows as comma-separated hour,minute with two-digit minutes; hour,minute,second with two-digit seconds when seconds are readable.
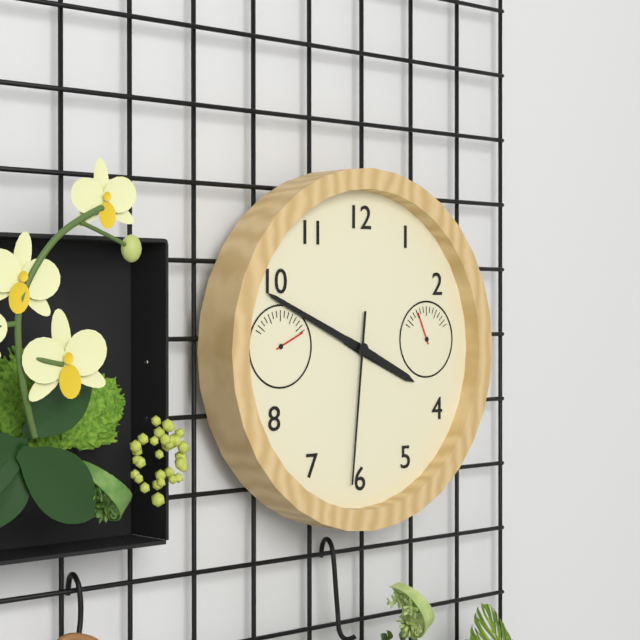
3,49,31
